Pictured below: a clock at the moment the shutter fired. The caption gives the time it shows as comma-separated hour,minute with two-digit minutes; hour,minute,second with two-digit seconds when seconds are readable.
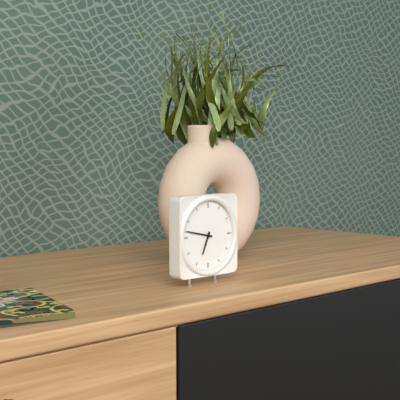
6,47
